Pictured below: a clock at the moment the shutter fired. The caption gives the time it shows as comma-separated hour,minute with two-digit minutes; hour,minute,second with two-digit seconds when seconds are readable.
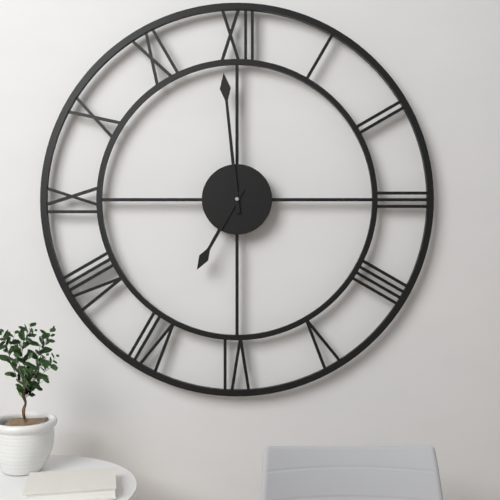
6,59
